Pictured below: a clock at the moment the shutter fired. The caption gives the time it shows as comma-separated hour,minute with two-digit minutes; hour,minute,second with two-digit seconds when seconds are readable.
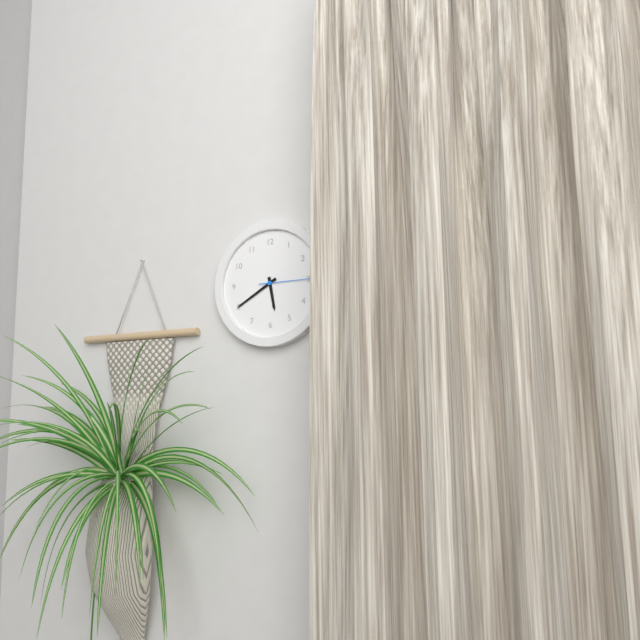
5,40,15
